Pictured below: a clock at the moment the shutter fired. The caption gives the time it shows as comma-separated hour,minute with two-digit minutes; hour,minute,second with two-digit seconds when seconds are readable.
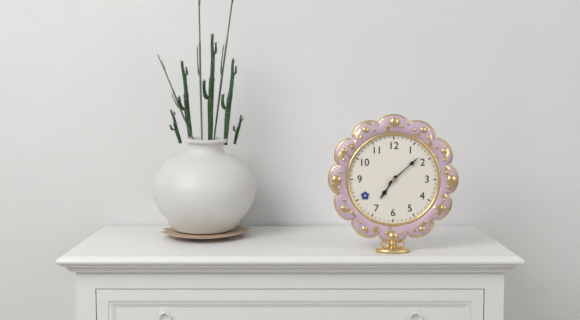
7,08
